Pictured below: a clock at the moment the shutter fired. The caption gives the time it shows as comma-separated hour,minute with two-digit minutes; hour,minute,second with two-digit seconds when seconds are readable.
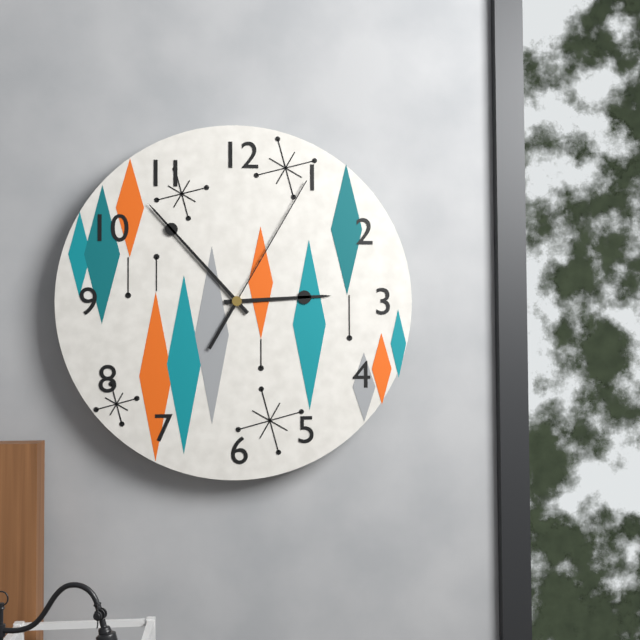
2,53,05
